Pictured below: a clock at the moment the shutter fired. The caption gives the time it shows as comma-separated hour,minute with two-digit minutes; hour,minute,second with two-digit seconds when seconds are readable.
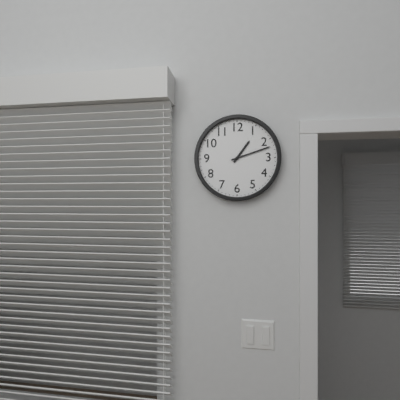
1,12
